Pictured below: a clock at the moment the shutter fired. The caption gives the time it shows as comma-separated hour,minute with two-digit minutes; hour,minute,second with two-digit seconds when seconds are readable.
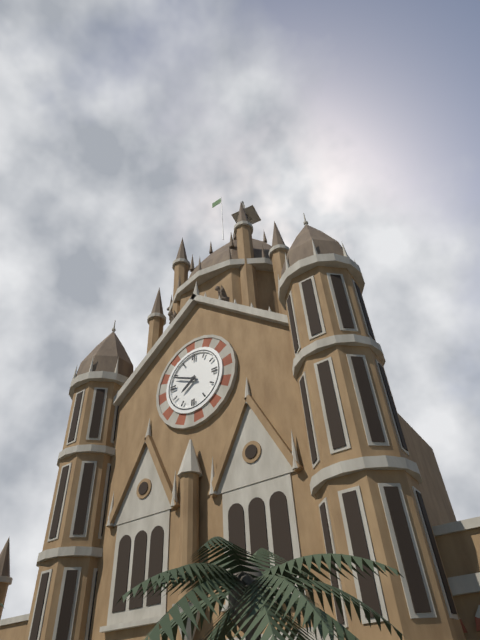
7,49
